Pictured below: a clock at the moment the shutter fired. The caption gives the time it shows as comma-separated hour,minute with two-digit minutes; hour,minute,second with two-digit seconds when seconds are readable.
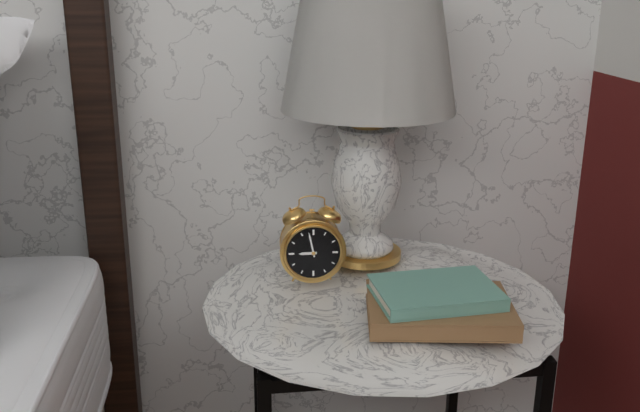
8,58
